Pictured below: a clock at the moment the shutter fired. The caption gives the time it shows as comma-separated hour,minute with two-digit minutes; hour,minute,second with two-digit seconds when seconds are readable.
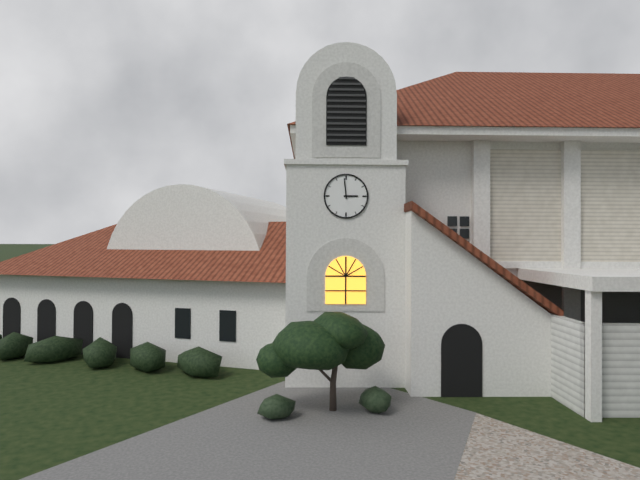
2,59
